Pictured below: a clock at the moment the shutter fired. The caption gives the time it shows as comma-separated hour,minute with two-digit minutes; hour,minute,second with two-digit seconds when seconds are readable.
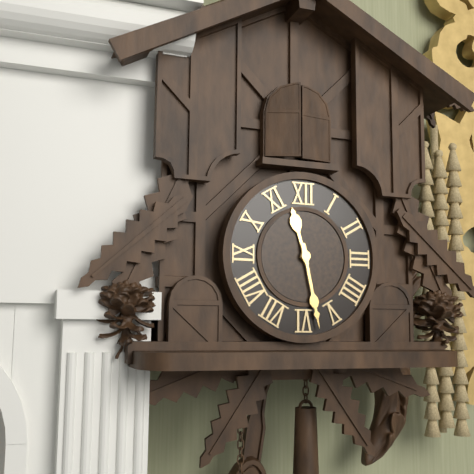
11,28
